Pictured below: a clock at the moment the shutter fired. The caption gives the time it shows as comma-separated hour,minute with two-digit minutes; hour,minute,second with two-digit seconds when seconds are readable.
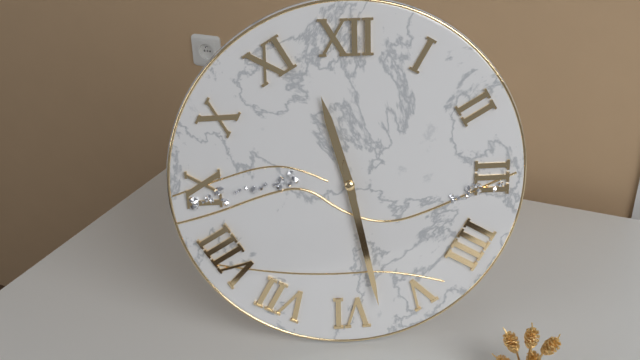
11,28
